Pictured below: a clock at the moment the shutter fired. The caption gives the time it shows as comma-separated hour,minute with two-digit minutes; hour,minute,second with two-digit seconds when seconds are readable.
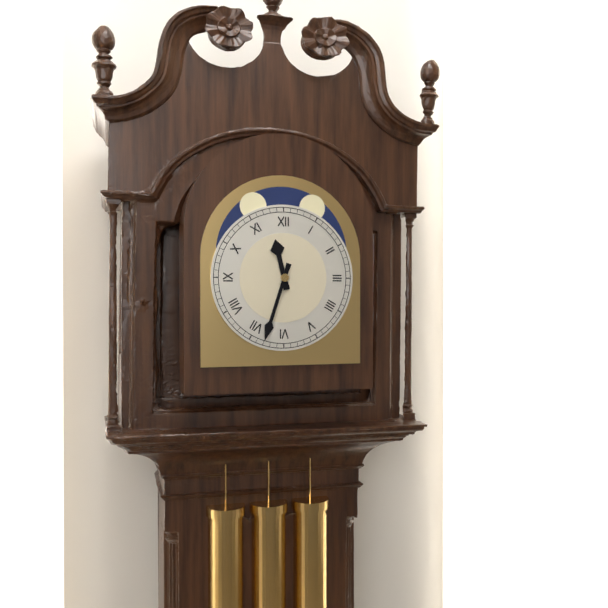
11,33
